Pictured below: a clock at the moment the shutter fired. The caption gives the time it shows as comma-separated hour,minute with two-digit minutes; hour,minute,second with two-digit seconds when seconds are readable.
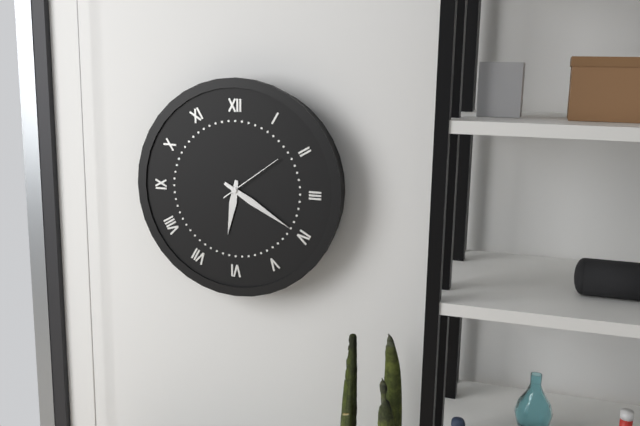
6,20,09
